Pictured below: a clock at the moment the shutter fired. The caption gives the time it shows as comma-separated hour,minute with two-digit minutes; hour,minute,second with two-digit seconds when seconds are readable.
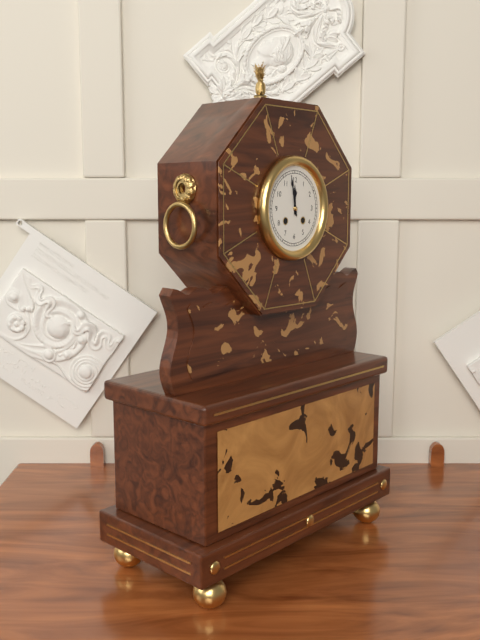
11,58
